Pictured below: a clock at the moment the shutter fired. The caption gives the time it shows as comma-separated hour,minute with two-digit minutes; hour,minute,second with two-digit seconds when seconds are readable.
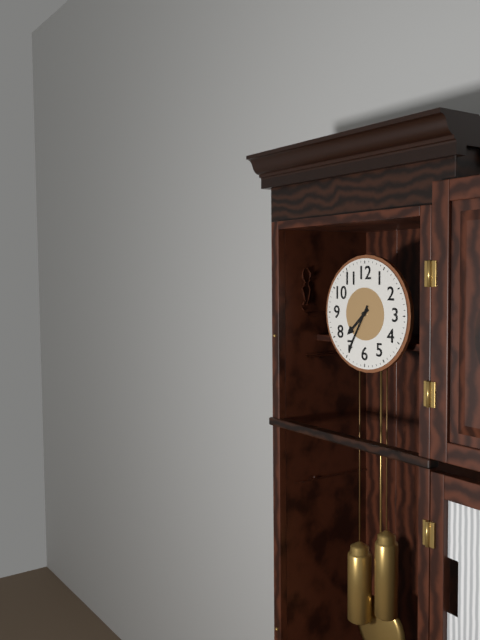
7,35
